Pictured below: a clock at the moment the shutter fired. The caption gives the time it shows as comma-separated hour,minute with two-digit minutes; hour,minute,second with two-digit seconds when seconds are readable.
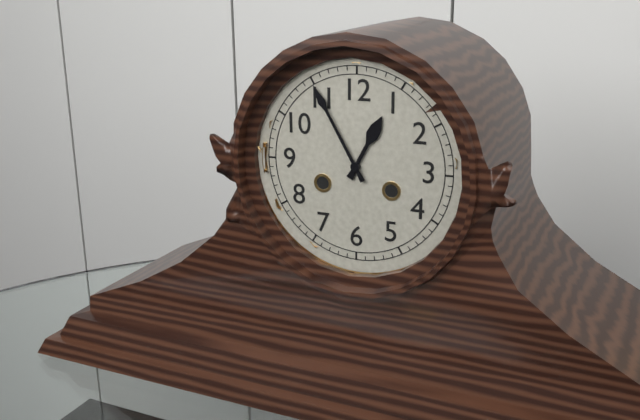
12,55
